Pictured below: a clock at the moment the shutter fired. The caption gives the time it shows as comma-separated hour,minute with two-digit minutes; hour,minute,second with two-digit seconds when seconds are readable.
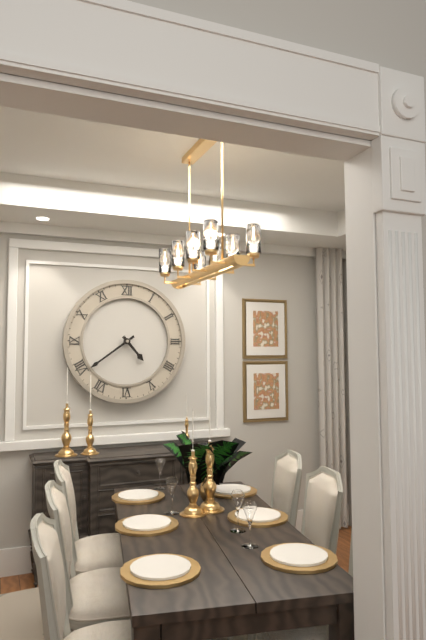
4,39
